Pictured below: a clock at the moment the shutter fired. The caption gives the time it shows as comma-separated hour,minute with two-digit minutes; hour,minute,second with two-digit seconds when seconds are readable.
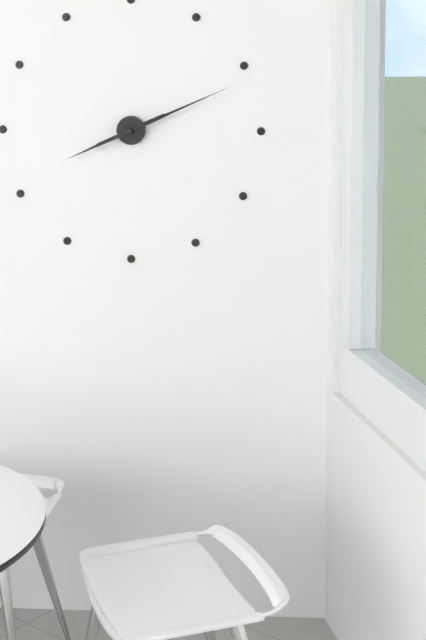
8,11
